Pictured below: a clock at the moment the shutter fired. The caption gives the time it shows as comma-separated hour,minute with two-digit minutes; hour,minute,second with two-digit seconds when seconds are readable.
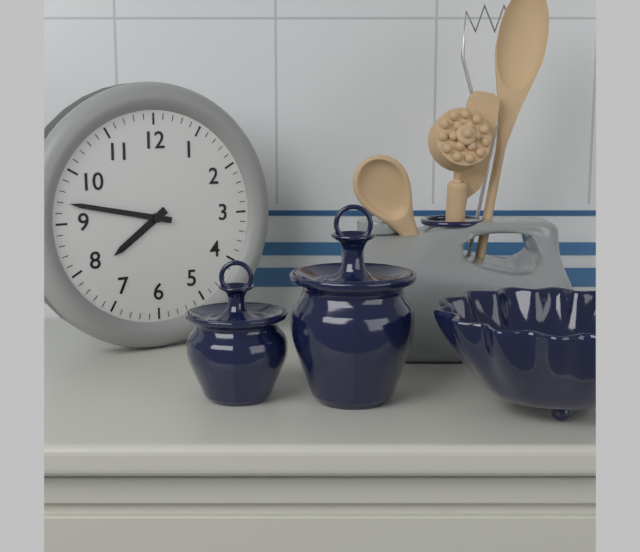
7,47
